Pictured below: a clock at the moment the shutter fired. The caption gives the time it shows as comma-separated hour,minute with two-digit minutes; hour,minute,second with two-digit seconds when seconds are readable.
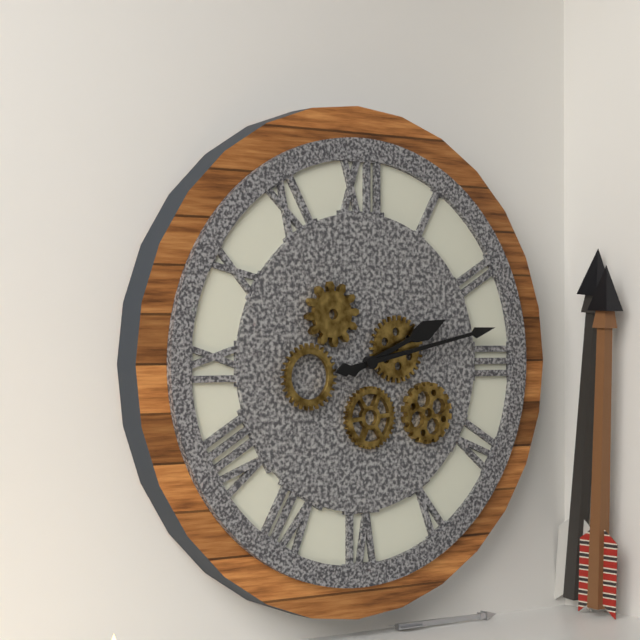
2,13
